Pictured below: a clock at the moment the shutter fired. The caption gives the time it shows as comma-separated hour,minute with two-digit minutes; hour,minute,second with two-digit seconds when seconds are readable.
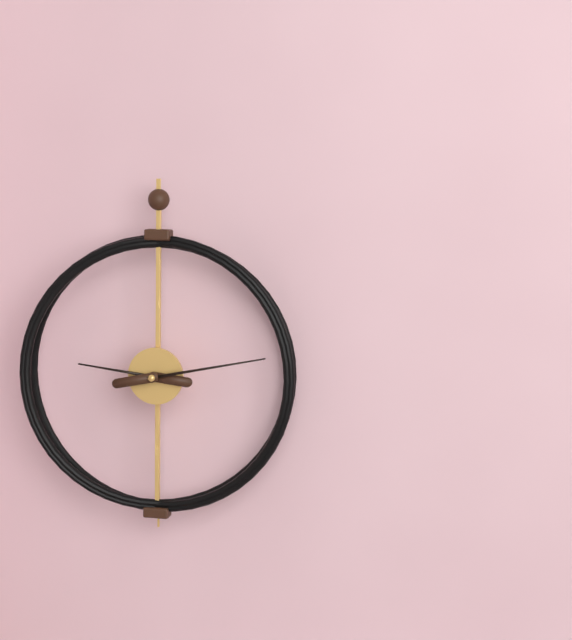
9,13
